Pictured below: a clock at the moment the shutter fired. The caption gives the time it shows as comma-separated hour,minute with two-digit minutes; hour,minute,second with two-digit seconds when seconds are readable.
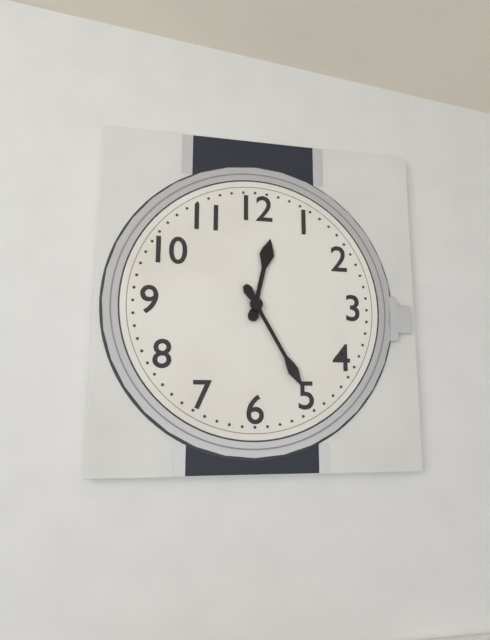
12,25
